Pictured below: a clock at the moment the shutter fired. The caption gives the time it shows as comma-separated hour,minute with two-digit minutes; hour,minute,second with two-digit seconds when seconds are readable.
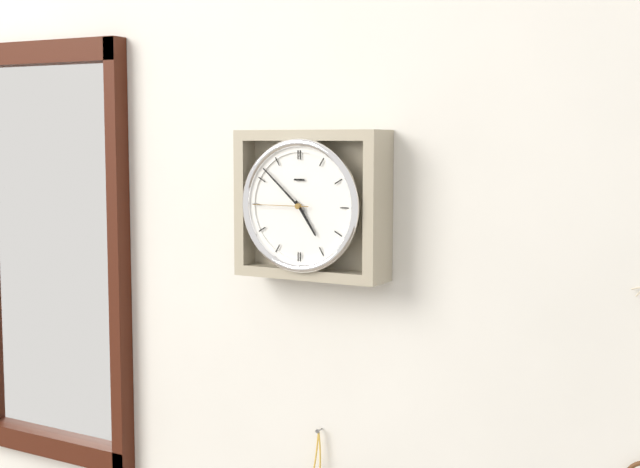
4,52,45
